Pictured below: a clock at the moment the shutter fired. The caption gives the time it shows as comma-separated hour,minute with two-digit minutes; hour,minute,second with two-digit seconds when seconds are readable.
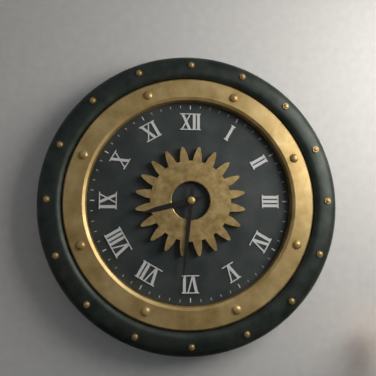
8,31
